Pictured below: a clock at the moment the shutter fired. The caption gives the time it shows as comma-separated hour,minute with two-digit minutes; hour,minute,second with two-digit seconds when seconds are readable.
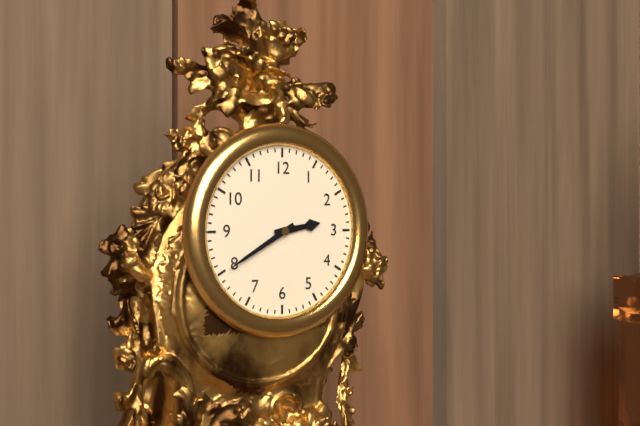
2,40
